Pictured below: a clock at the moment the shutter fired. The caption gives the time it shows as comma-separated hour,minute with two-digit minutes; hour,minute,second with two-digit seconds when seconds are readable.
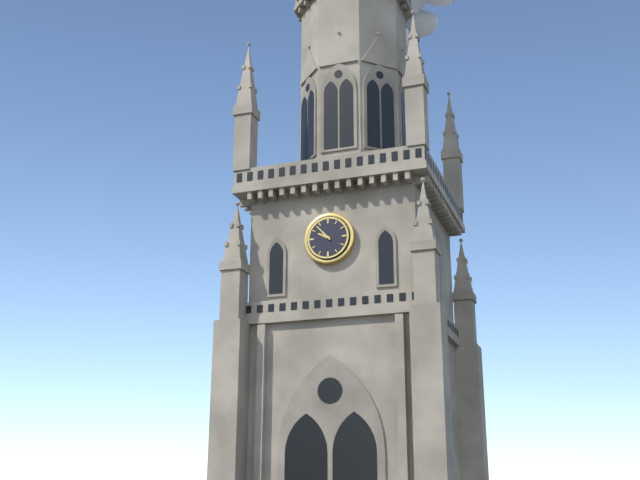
9,53
